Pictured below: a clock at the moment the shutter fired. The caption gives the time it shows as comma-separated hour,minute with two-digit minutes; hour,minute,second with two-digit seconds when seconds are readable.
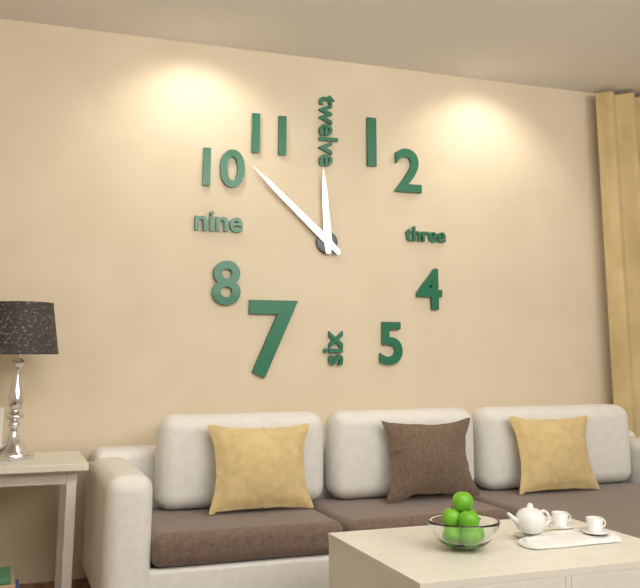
11,52
